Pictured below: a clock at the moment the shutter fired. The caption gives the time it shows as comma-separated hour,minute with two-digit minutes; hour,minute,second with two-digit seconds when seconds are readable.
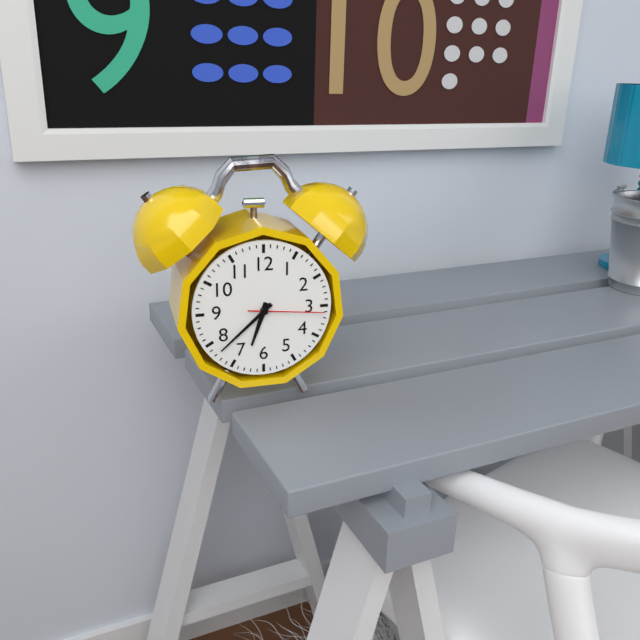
6,38,16
